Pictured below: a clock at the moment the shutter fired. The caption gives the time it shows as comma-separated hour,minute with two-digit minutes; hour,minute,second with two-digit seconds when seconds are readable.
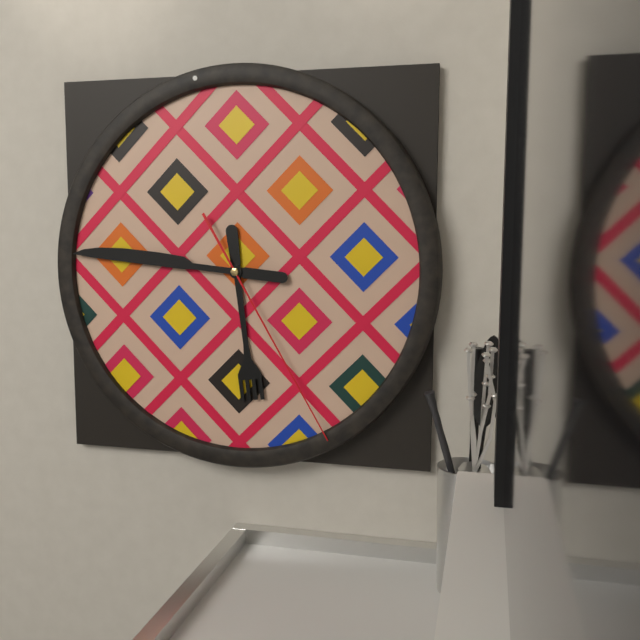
5,46,25
